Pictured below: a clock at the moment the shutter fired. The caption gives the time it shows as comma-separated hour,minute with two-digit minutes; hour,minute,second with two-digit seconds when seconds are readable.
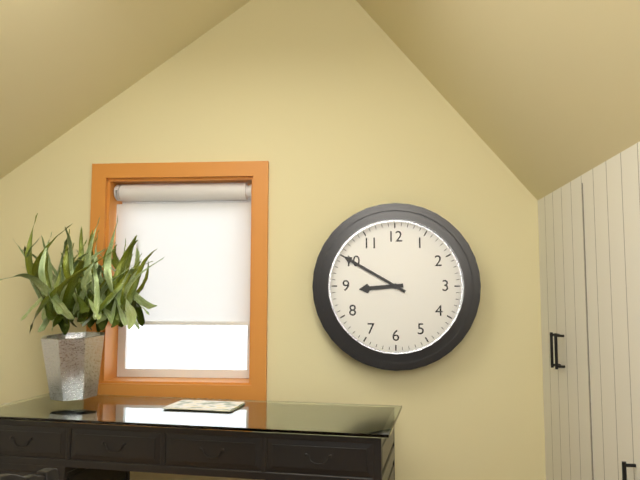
8,50
